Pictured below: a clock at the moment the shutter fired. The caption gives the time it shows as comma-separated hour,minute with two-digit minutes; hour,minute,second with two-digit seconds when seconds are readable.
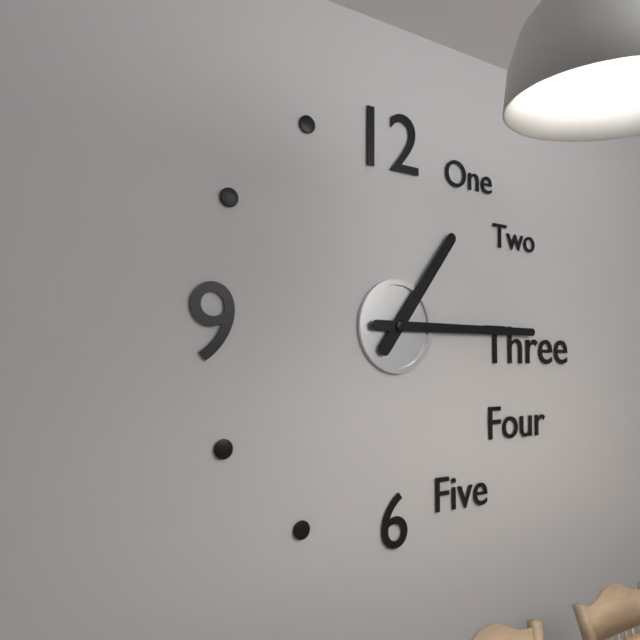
1,15
